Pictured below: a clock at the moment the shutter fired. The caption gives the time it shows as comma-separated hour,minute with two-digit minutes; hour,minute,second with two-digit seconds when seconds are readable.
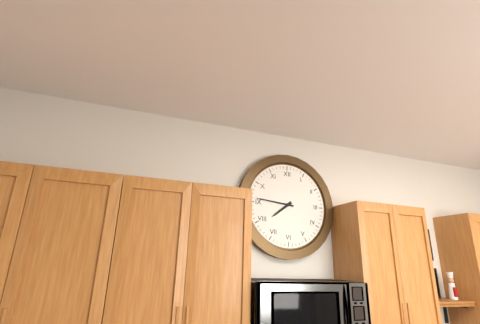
7,46
